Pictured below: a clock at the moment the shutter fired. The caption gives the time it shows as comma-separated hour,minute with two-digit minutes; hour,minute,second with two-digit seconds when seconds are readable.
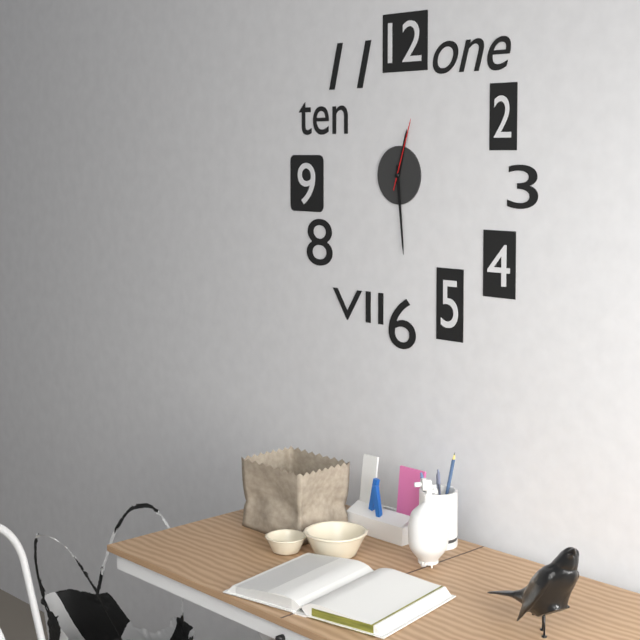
12,29,03
